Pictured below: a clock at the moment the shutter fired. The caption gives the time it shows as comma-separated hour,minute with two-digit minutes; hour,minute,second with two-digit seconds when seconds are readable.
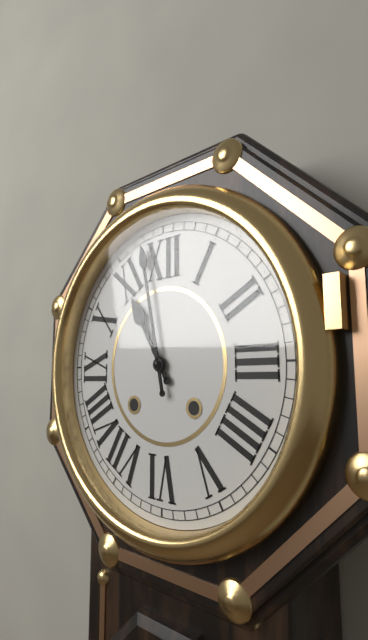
10,58
